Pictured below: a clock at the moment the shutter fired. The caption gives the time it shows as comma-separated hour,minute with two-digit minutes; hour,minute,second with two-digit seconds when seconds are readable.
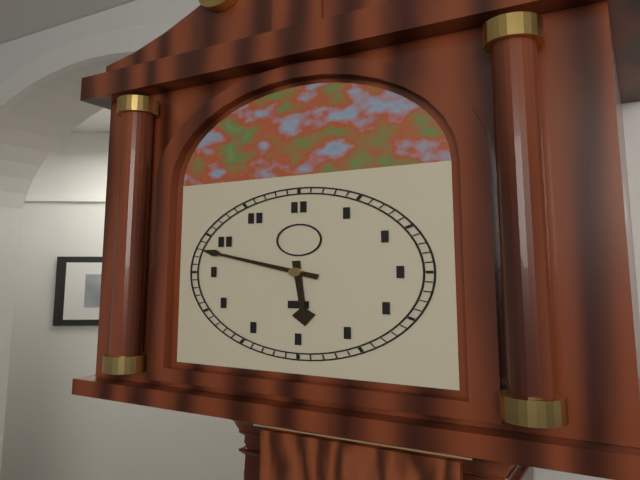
5,48
